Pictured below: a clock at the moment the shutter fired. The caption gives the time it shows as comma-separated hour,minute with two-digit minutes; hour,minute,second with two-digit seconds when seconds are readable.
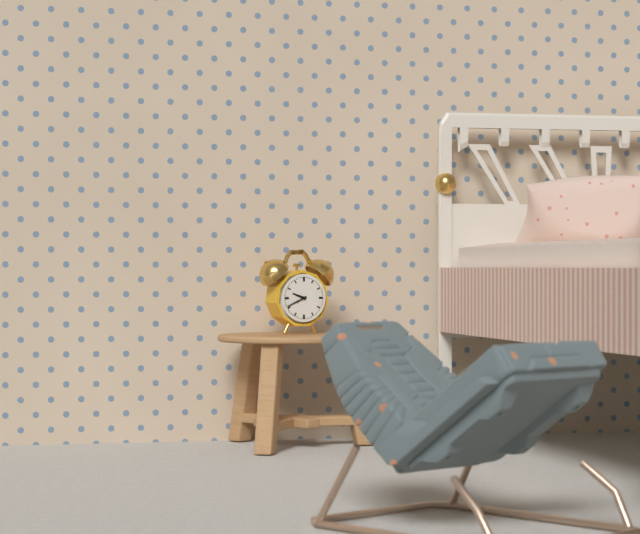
9,41
